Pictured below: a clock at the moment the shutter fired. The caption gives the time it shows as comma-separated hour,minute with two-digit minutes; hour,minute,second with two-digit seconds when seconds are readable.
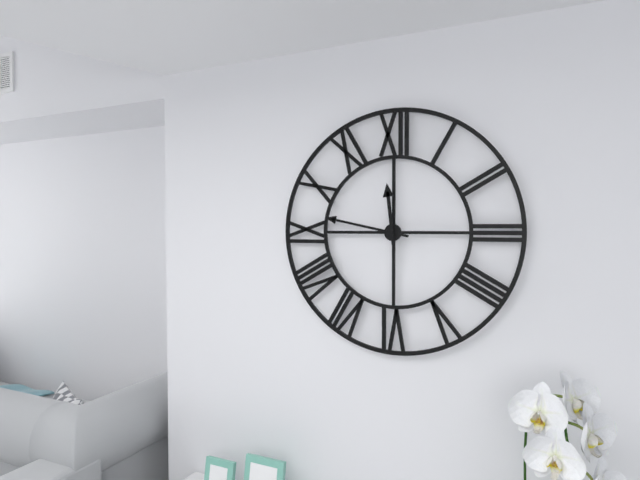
11,47
